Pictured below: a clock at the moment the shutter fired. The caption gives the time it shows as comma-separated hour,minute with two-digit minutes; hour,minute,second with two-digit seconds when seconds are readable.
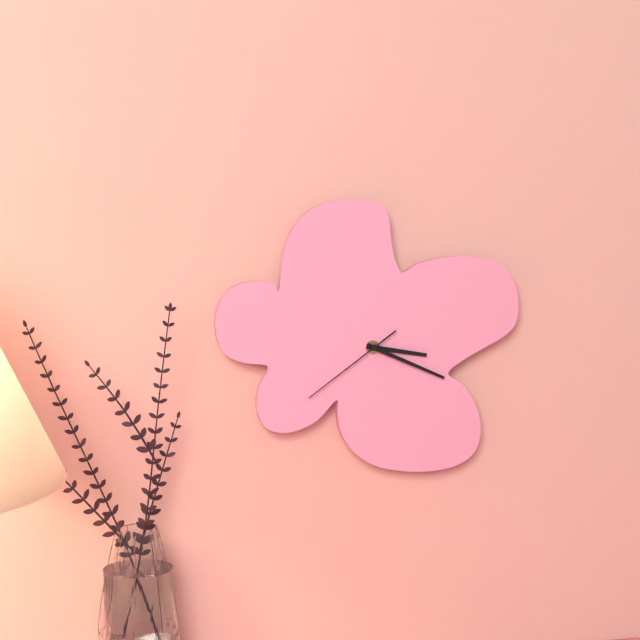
3,19,39
